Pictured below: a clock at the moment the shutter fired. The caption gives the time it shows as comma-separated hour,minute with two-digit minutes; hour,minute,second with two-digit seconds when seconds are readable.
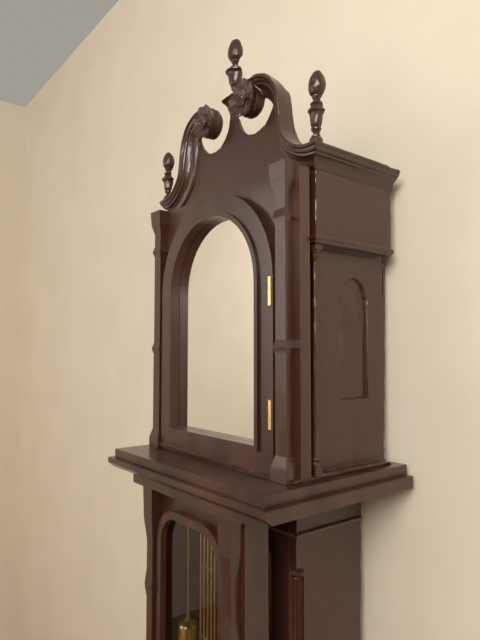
2,48
